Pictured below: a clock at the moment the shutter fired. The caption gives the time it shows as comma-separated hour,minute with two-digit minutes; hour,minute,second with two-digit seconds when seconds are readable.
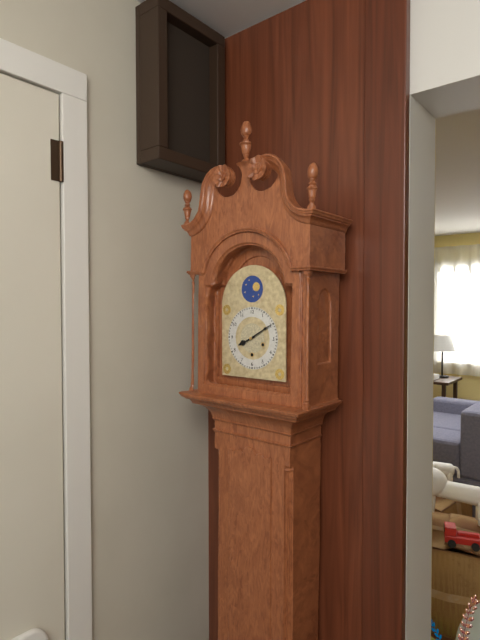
8,10
